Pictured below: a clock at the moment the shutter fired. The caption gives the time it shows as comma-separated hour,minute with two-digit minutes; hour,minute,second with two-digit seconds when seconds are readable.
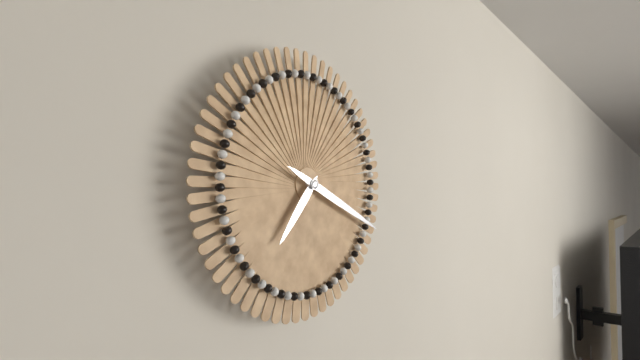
7,19
